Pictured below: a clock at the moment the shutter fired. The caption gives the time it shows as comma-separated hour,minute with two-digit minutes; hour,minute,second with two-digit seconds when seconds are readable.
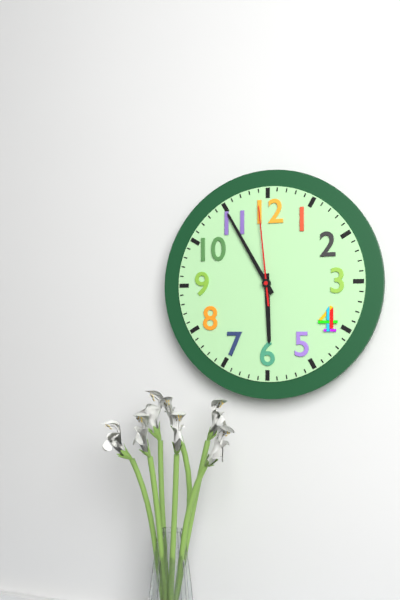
5,55,59
